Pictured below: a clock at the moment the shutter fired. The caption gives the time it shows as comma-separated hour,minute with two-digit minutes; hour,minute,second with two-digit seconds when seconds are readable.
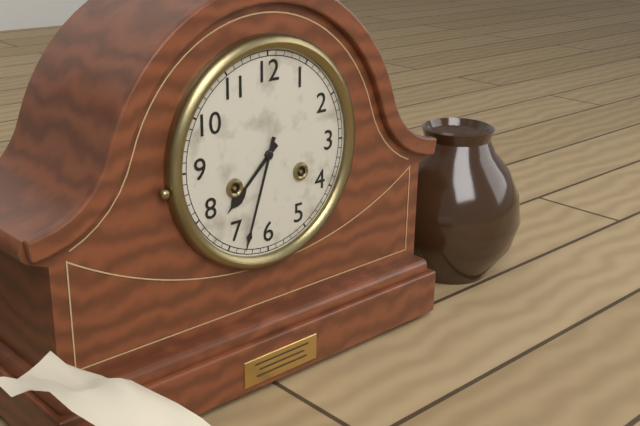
7,33
